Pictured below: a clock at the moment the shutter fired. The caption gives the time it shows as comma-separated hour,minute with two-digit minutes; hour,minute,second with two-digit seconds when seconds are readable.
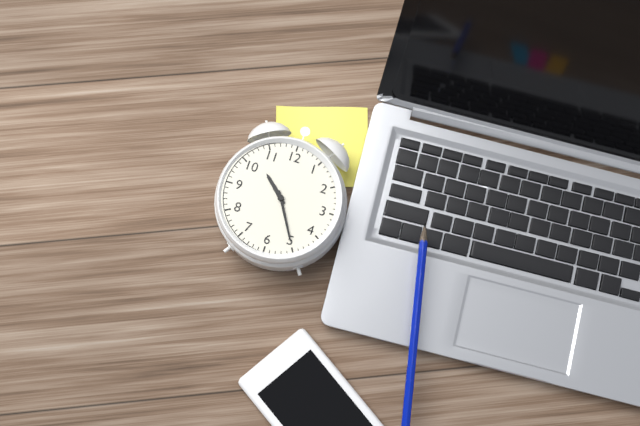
10,25
